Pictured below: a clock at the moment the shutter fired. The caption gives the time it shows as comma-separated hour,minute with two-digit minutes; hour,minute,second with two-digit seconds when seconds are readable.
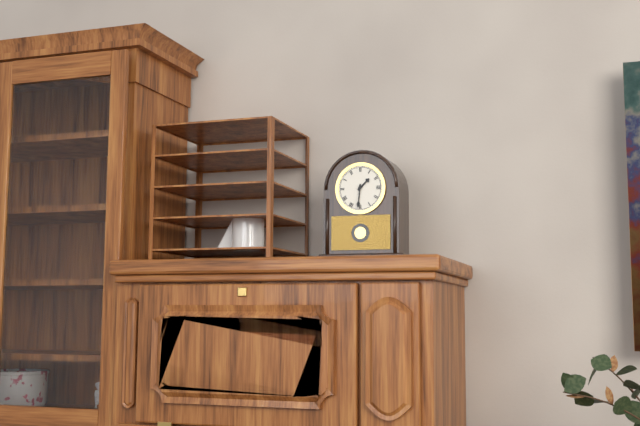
1,31
